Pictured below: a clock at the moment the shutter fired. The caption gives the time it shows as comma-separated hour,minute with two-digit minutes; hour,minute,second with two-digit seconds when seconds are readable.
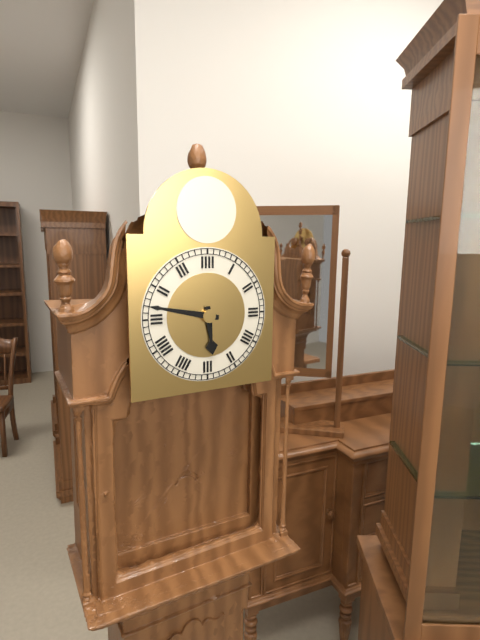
5,47
